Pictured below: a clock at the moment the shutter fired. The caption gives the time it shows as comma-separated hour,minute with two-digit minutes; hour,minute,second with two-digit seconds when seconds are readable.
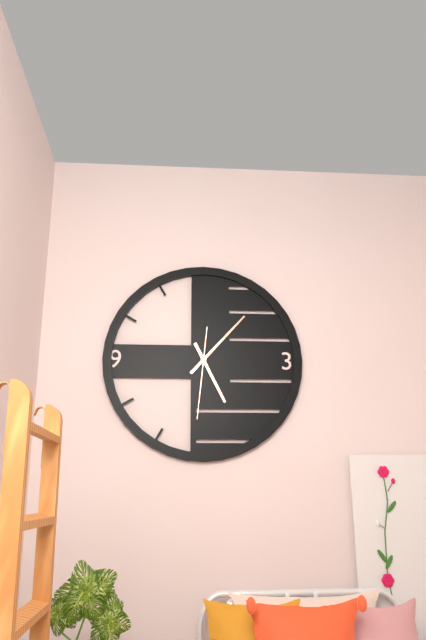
5,07,31
